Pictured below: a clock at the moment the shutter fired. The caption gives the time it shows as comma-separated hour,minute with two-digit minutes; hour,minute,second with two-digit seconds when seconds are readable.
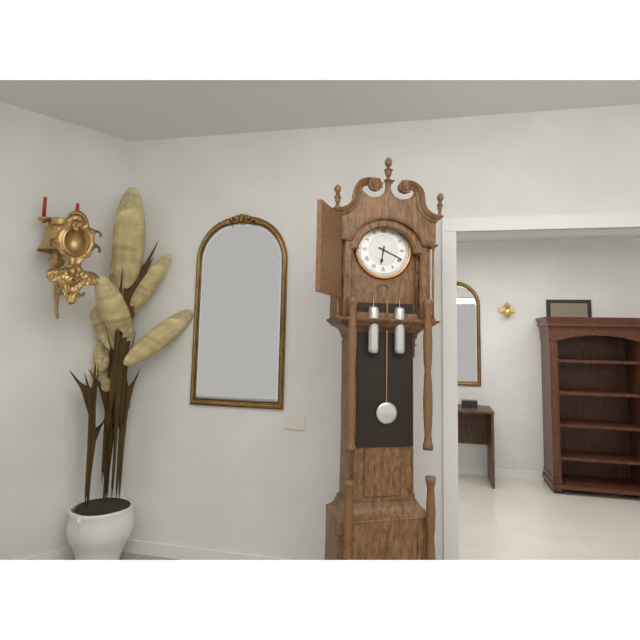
6,19
